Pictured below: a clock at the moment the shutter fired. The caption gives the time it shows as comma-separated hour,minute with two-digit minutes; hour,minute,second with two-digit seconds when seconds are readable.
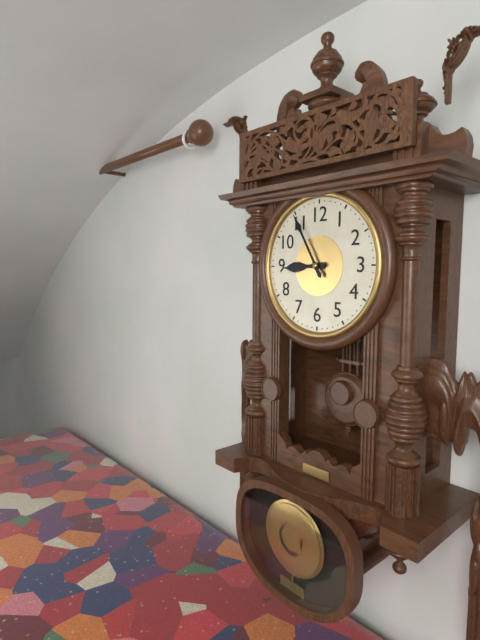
8,55
